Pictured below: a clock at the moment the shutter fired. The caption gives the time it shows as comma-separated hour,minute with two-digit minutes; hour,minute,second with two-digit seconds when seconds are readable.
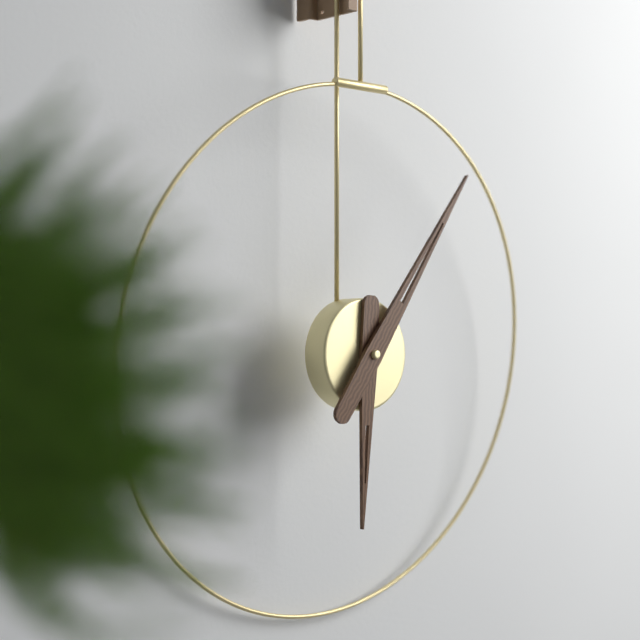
6,06
